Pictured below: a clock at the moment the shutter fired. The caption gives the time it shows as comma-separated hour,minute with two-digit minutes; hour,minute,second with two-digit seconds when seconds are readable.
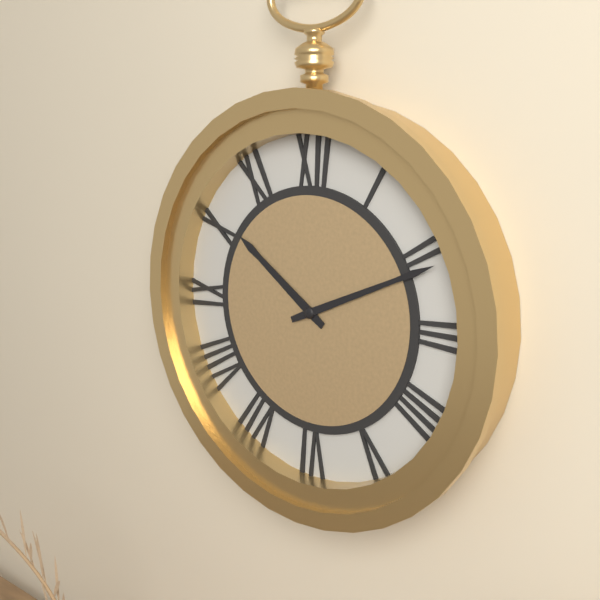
10,11
